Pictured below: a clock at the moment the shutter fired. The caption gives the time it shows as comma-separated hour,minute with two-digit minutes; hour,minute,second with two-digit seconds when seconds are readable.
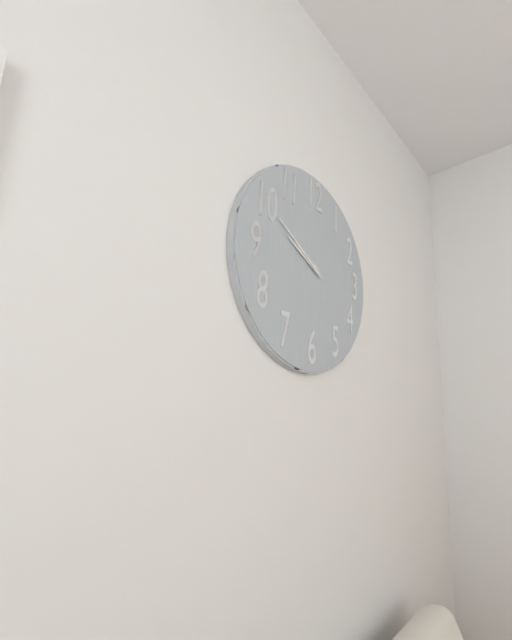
9,50
